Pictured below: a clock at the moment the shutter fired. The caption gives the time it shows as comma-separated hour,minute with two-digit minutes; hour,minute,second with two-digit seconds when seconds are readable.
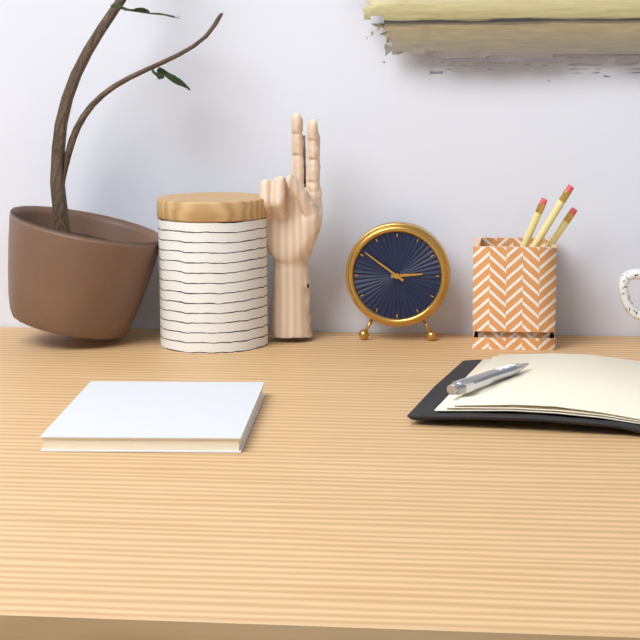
2,51
